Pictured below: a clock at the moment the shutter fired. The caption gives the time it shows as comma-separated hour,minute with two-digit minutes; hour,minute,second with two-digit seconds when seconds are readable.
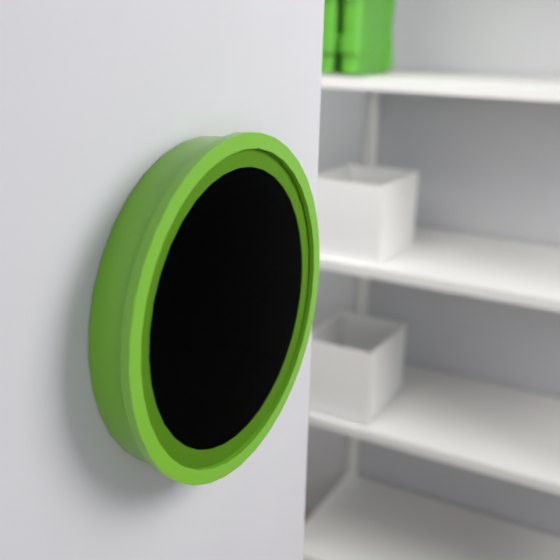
11,44,02
